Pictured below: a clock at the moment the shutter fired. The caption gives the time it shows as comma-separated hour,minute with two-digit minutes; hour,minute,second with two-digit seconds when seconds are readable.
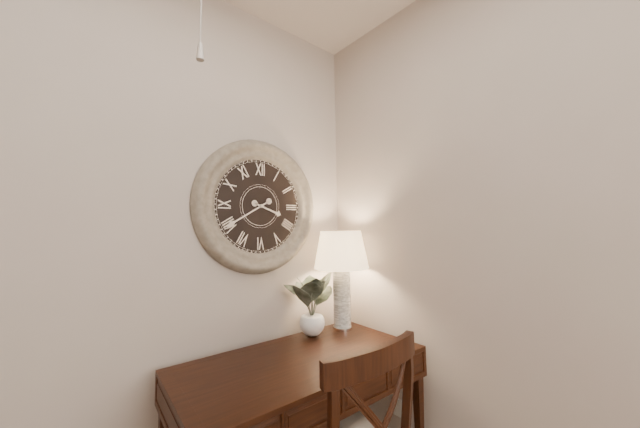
3,40
